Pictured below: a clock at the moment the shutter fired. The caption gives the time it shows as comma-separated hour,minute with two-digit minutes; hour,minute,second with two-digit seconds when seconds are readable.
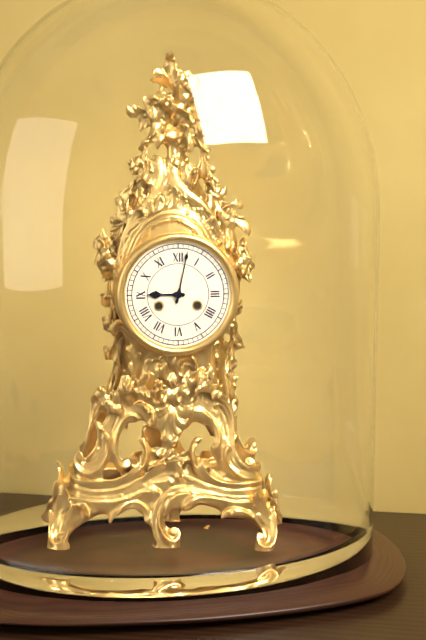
9,02
